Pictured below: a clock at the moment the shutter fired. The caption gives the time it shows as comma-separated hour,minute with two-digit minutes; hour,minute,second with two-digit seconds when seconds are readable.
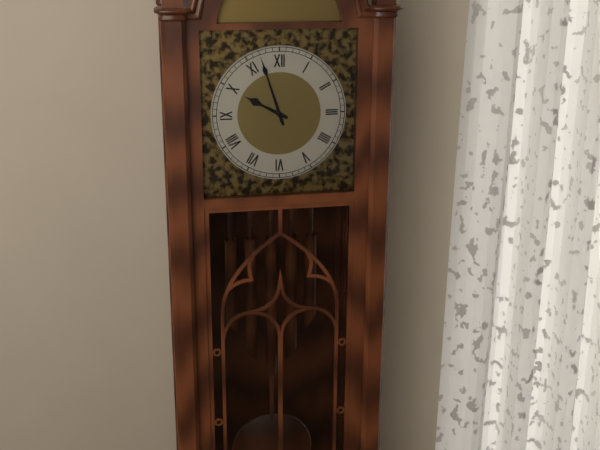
9,57
